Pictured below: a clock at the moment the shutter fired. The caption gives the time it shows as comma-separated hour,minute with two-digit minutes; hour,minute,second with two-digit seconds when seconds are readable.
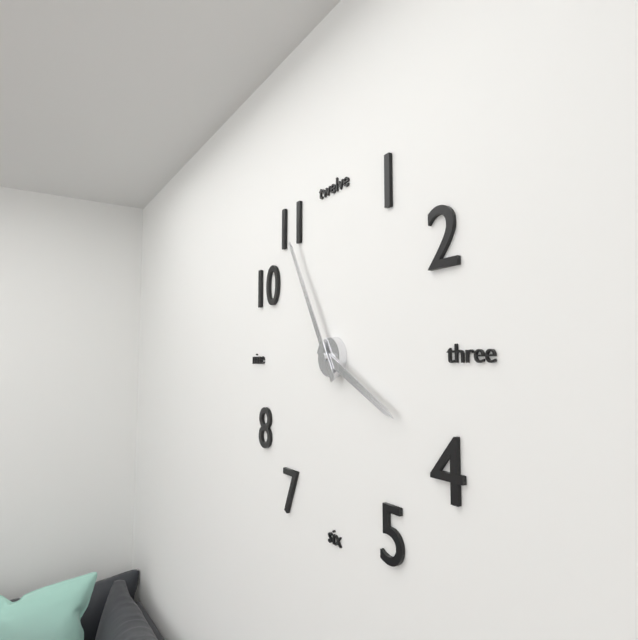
3,55
